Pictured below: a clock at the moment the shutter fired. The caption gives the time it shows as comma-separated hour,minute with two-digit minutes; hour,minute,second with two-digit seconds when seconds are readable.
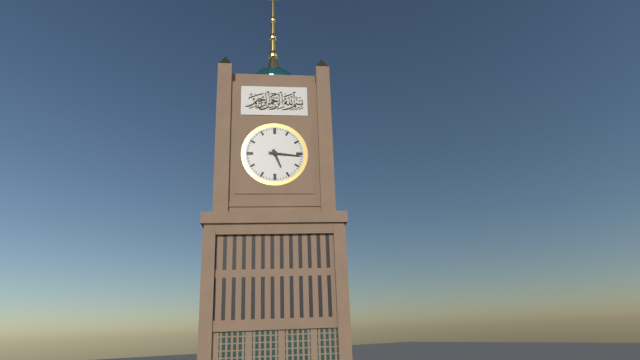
5,16
